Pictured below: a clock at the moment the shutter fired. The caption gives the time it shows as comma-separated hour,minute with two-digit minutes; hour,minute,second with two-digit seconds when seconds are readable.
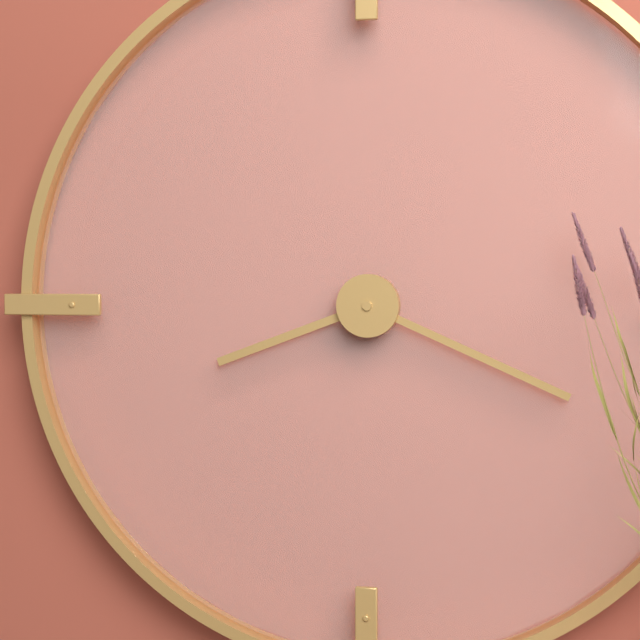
8,19
